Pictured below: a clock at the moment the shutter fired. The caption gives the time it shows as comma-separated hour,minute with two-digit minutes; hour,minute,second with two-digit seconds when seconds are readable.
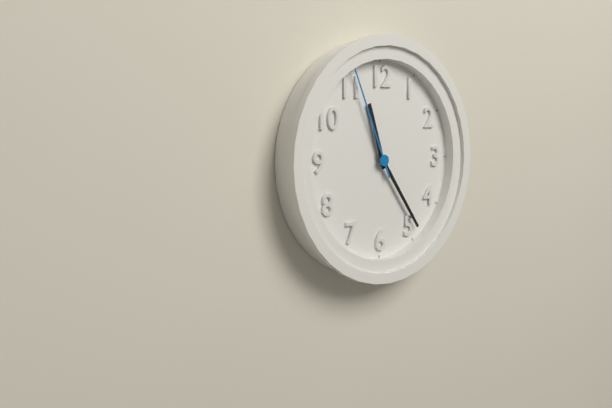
11,24,56
